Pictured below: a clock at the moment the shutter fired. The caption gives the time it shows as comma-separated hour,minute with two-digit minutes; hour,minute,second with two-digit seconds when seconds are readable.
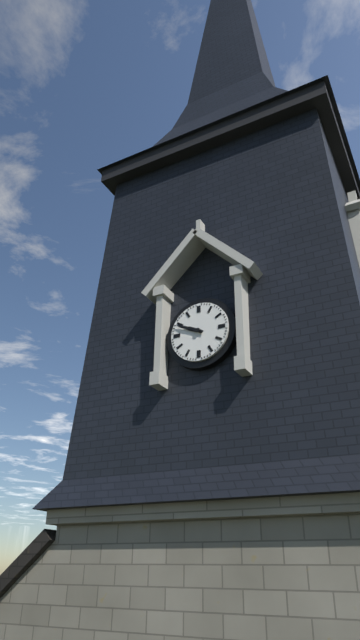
9,49
